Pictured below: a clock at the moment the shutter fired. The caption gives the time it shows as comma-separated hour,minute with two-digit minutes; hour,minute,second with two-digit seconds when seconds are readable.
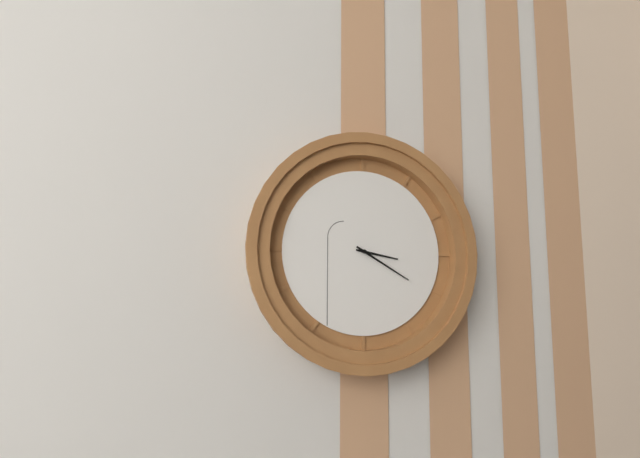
3,20
